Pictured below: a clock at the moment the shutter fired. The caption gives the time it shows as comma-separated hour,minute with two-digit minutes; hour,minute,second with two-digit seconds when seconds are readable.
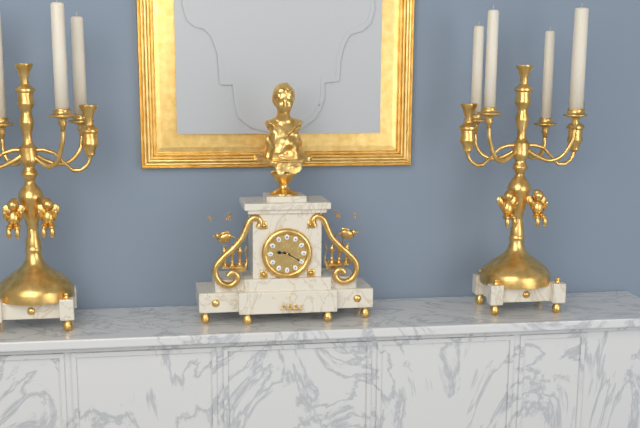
9,20
